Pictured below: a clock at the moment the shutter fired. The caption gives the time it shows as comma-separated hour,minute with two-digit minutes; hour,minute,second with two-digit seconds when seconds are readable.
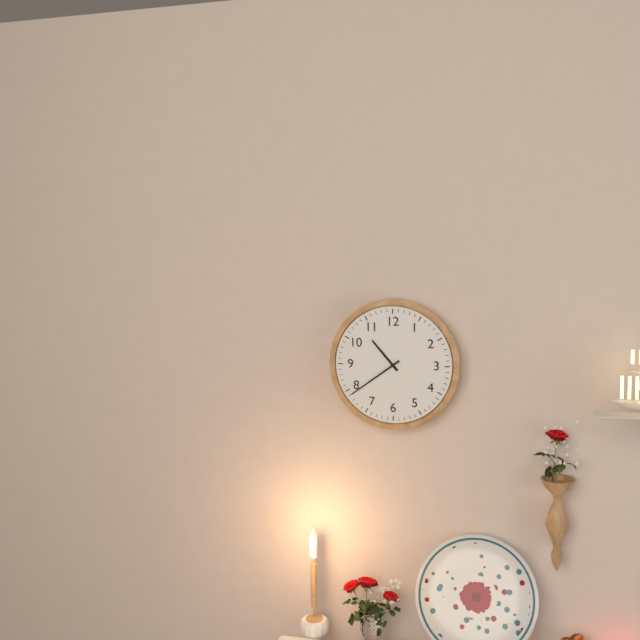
10,39
